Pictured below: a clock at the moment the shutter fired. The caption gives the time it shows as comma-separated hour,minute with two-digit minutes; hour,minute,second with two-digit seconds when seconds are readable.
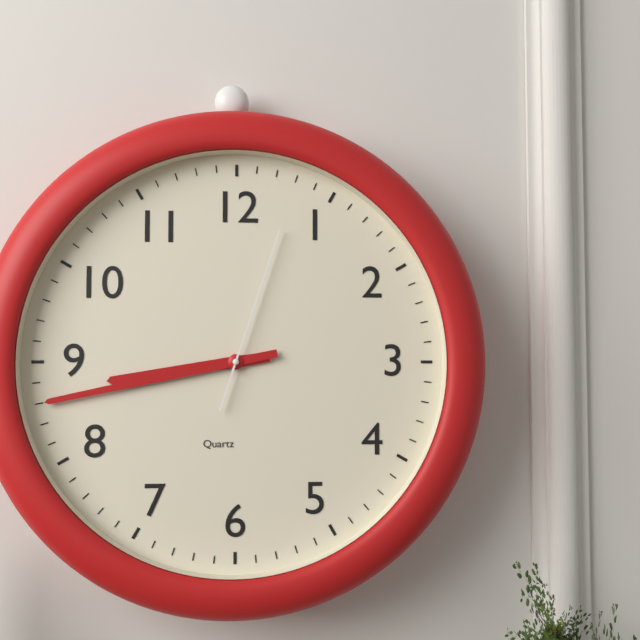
8,43,03
